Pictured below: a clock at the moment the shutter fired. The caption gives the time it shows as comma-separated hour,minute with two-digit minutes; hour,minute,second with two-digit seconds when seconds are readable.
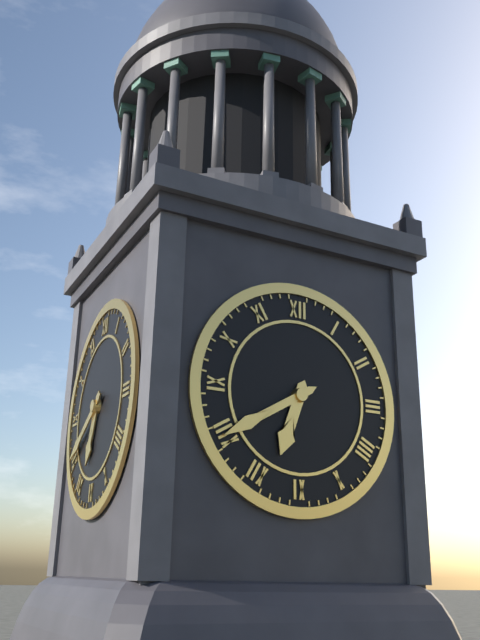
6,40
